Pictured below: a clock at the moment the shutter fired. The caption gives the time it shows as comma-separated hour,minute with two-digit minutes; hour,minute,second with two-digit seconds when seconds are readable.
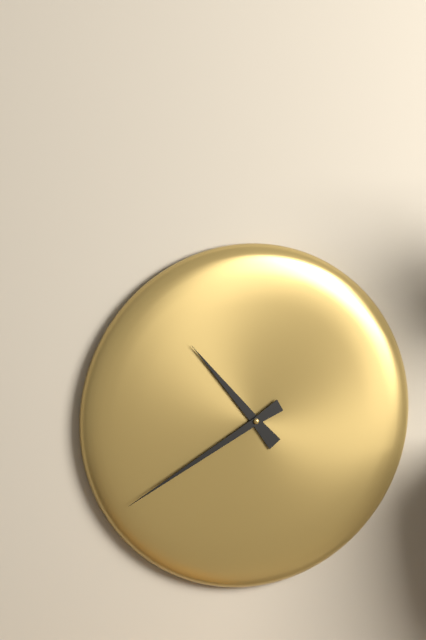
10,40
